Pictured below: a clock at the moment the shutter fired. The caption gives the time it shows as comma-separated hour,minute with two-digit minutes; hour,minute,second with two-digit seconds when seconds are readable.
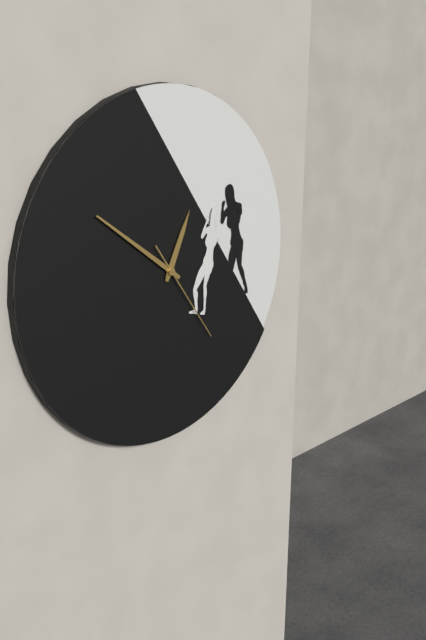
12,51,24
